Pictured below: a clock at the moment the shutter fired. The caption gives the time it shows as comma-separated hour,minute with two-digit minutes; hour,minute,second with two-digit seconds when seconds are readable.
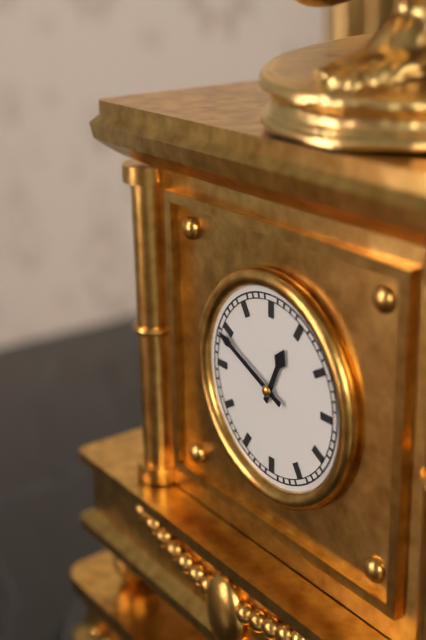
12,49
